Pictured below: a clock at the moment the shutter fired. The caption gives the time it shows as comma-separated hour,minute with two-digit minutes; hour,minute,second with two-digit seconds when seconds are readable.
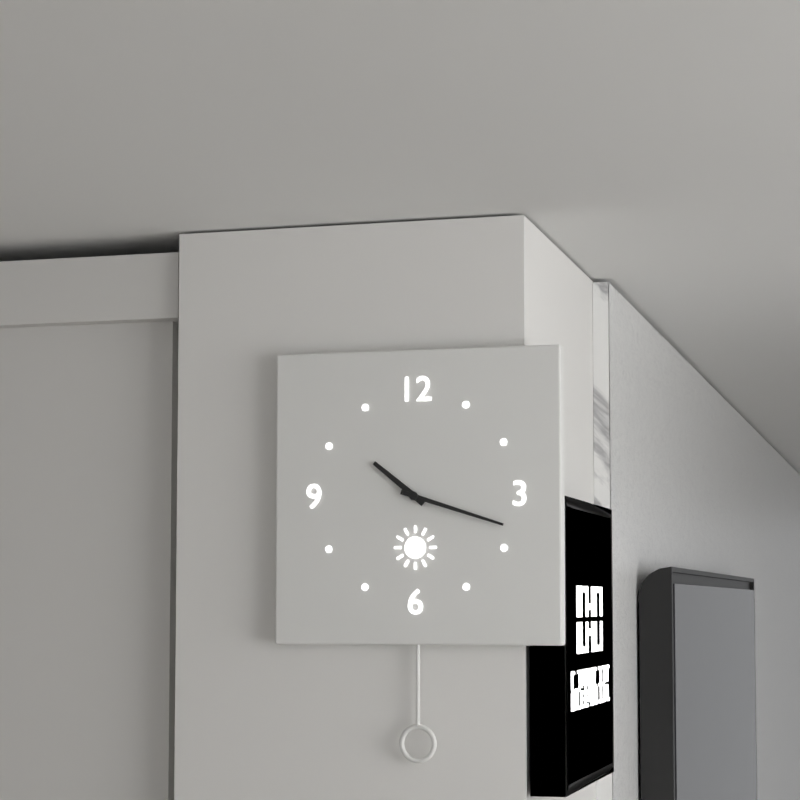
10,18
